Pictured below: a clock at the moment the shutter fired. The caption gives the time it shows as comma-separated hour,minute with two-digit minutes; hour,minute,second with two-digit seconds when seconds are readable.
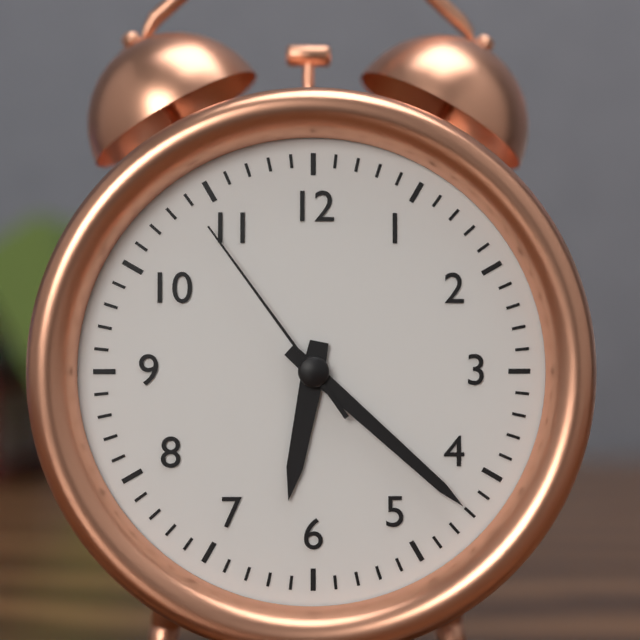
6,22,54
